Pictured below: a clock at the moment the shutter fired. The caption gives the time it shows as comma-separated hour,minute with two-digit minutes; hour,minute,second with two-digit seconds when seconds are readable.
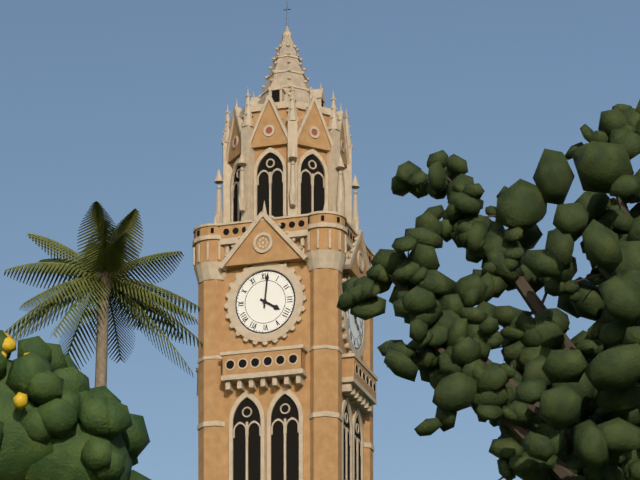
4,01
